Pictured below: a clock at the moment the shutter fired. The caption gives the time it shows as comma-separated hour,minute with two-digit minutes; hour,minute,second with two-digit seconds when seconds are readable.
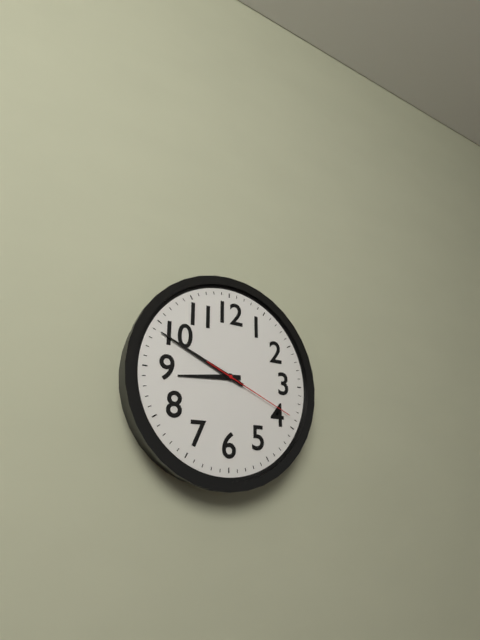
8,49,19
